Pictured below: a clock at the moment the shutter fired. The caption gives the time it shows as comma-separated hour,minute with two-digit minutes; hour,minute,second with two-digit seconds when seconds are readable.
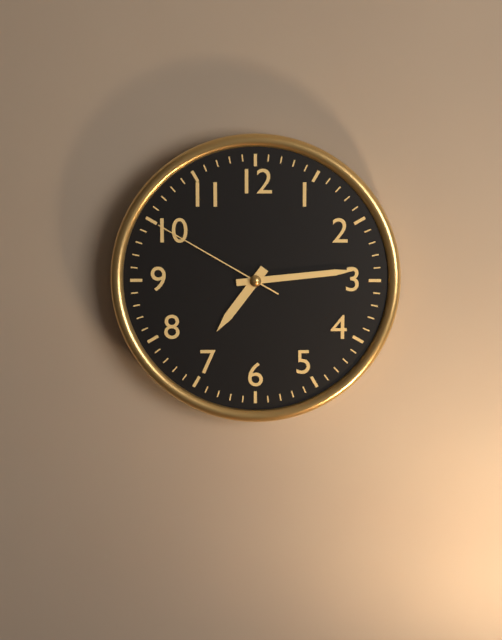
7,14,50
